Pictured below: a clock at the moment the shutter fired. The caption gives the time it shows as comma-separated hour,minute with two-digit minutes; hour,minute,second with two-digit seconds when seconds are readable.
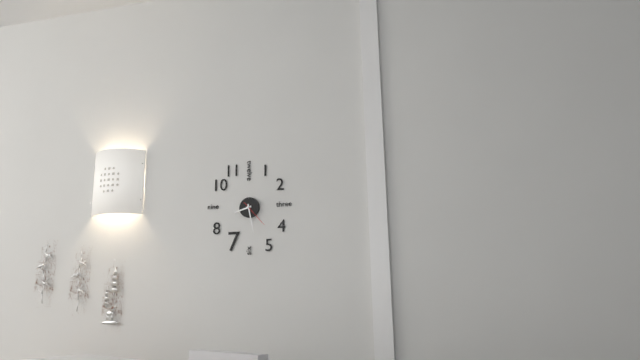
8,28
